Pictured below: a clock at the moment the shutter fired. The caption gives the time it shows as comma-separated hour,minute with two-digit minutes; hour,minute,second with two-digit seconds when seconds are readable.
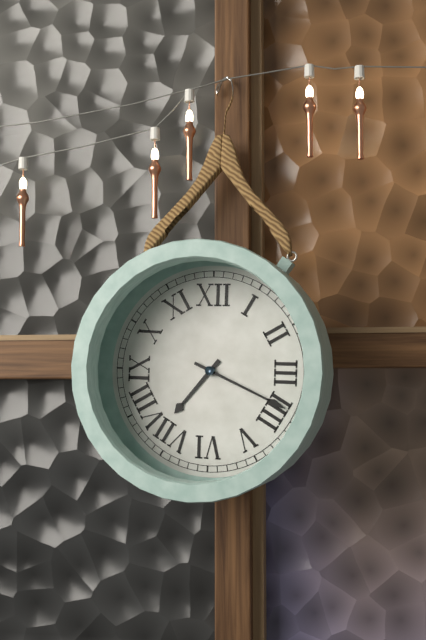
7,19
